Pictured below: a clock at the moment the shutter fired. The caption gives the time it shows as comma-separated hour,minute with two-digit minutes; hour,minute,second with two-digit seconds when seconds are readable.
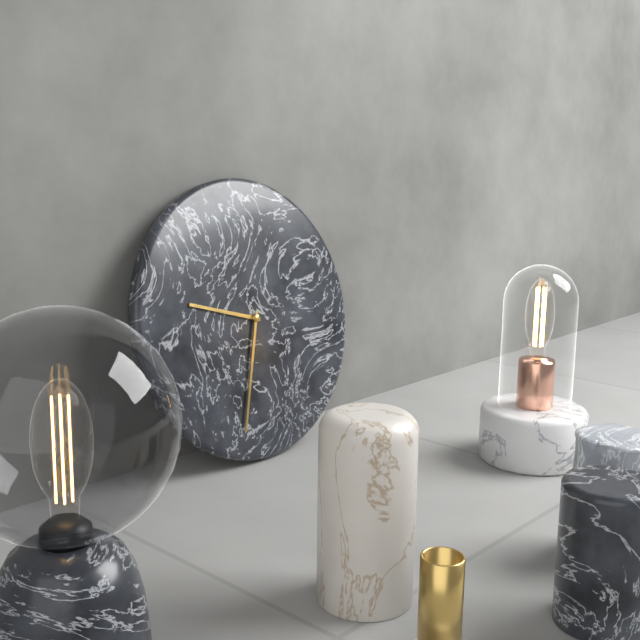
9,33
